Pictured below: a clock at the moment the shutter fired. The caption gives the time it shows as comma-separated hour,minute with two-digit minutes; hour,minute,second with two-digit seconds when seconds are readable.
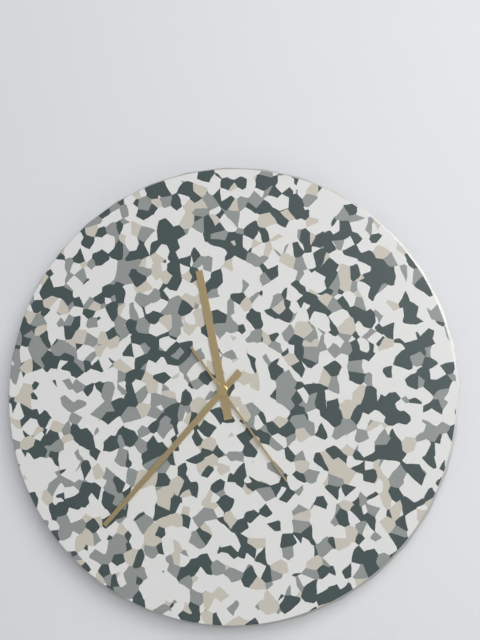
11,37,24
